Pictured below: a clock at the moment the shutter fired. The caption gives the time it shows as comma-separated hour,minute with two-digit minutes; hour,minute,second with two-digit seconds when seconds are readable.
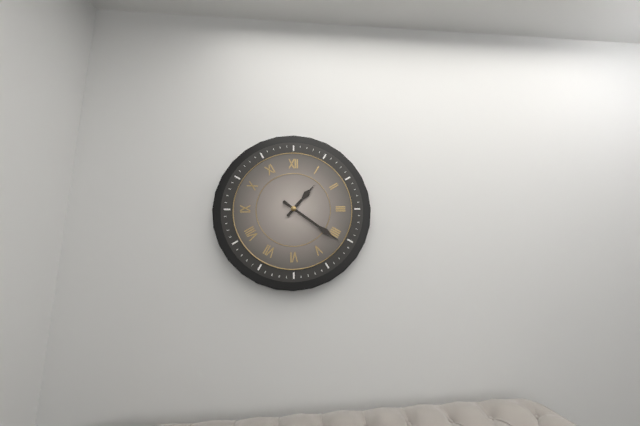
1,21
